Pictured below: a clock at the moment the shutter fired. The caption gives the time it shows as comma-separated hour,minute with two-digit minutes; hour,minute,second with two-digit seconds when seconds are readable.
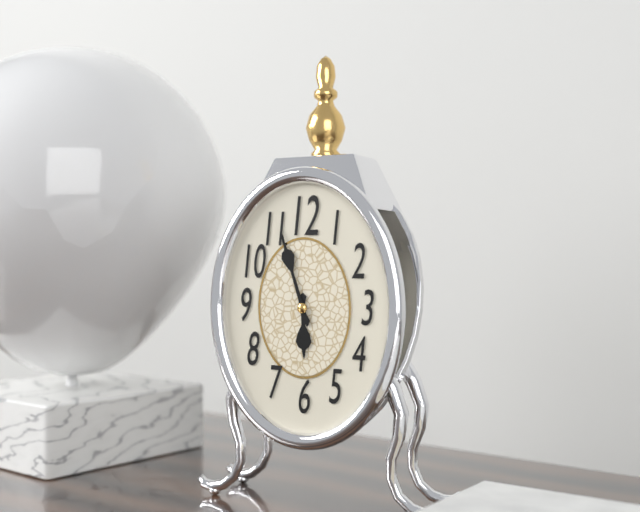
5,57
